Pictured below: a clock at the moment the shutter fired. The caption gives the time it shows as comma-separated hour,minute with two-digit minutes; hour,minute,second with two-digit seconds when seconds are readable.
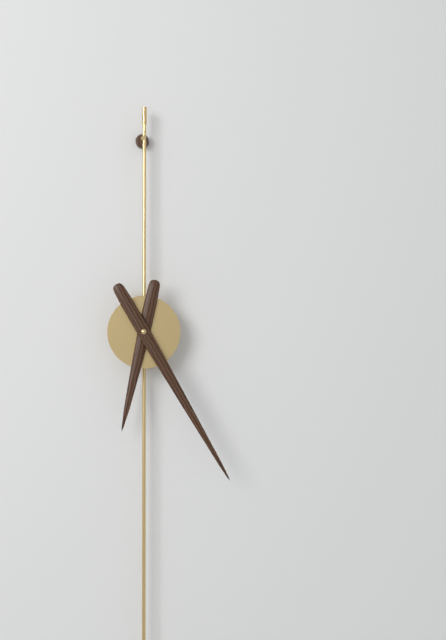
6,25
